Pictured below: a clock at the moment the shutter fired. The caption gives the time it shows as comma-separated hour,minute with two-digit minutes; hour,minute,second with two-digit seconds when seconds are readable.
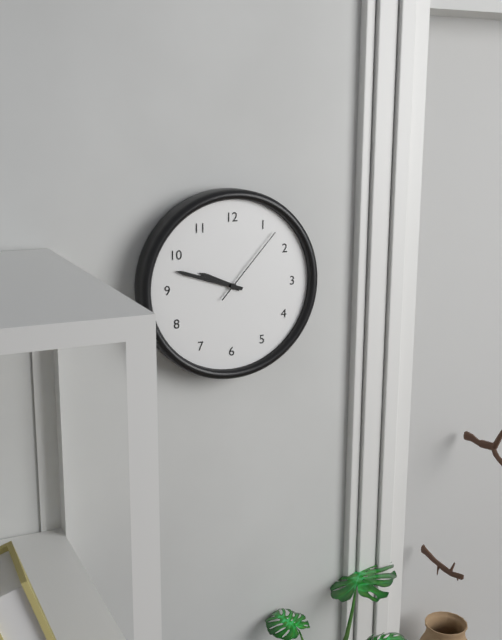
9,48,07
